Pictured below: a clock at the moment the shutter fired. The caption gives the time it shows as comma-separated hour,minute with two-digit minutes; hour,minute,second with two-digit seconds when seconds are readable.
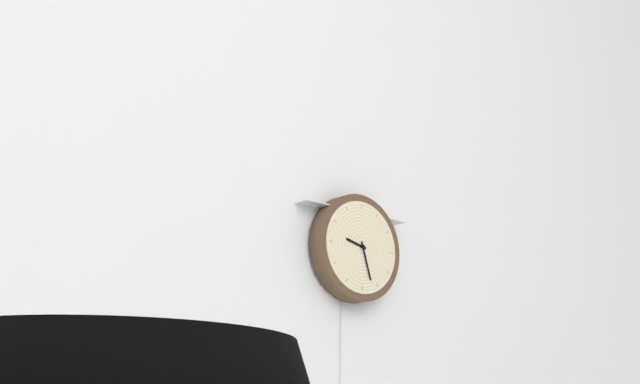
9,27
